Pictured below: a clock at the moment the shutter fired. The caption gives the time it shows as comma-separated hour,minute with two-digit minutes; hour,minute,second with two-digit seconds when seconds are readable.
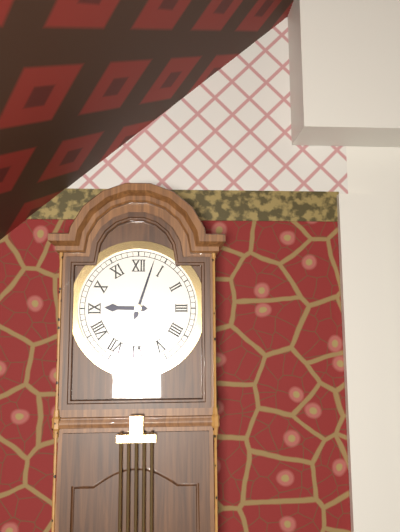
9,03
